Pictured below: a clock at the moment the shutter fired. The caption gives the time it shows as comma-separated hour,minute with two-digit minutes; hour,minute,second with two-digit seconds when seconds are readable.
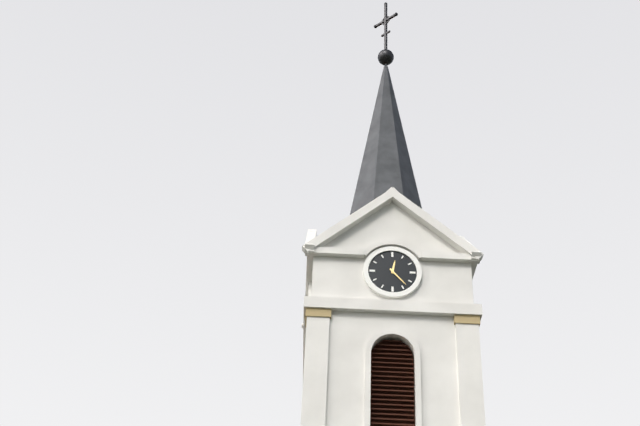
12,23
